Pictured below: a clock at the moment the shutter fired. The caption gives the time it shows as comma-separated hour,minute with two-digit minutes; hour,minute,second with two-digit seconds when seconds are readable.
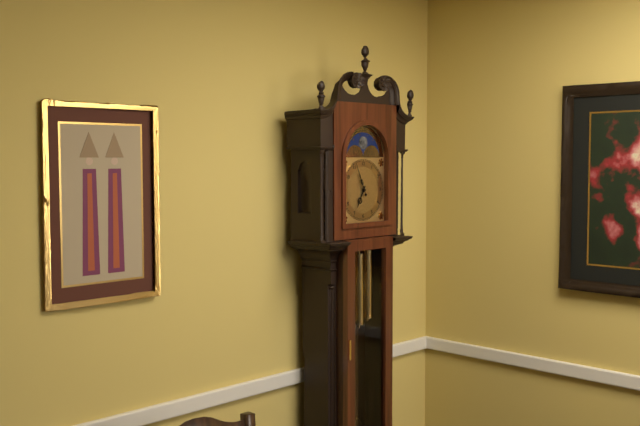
6,56
